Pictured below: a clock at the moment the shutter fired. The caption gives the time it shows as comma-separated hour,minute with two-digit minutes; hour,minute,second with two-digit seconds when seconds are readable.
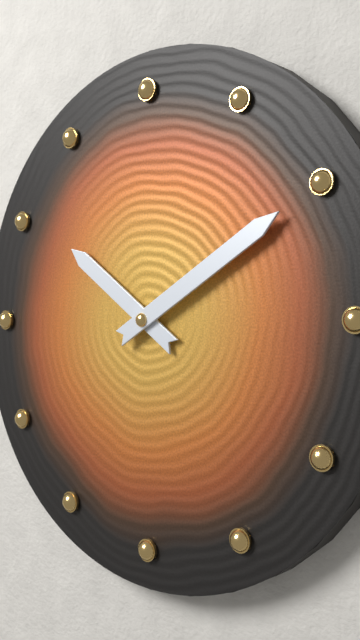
10,10
